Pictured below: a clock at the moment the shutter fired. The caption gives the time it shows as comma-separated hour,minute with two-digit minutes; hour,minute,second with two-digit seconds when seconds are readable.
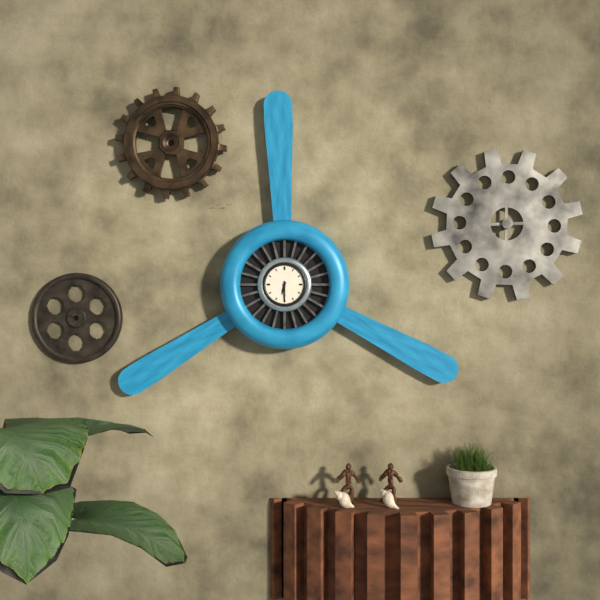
6,30
